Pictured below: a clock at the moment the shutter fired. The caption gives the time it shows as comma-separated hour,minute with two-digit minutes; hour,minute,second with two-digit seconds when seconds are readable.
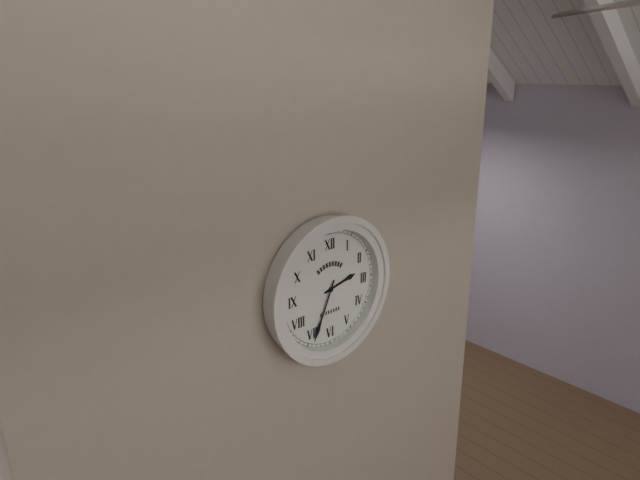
2,34
